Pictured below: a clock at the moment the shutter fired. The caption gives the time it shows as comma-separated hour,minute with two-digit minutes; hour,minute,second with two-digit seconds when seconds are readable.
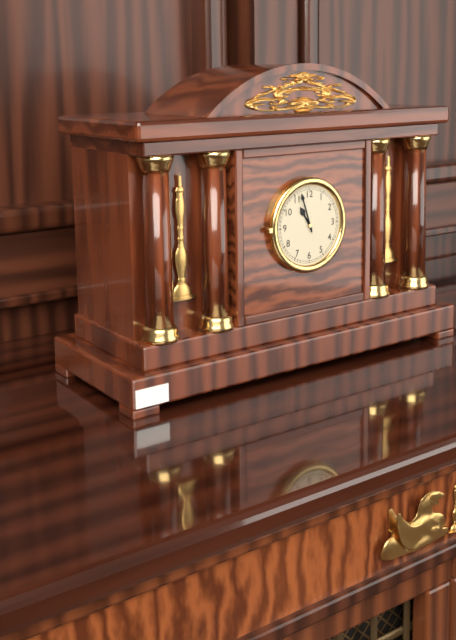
10,57
